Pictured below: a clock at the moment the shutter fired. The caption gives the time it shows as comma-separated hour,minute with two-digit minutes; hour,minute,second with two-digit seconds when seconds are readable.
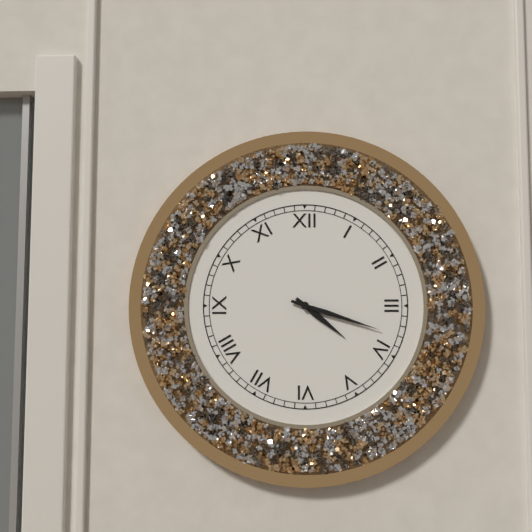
4,18
